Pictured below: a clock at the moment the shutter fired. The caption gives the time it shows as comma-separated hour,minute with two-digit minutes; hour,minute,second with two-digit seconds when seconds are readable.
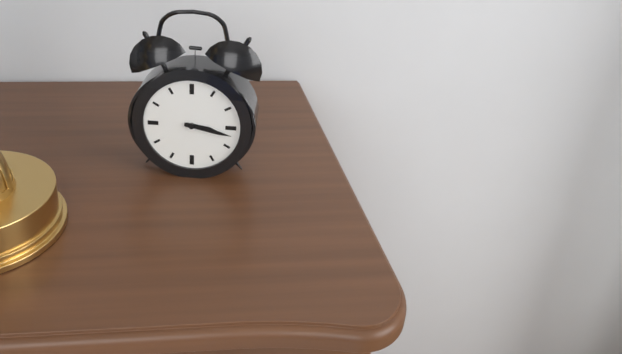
3,17
